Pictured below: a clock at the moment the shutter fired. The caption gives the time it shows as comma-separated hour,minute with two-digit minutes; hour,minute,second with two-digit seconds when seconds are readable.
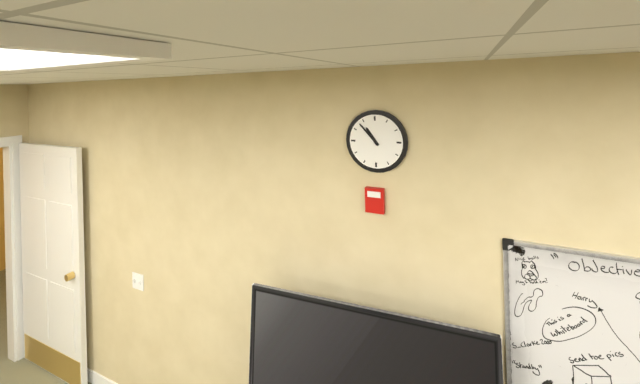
10,53
